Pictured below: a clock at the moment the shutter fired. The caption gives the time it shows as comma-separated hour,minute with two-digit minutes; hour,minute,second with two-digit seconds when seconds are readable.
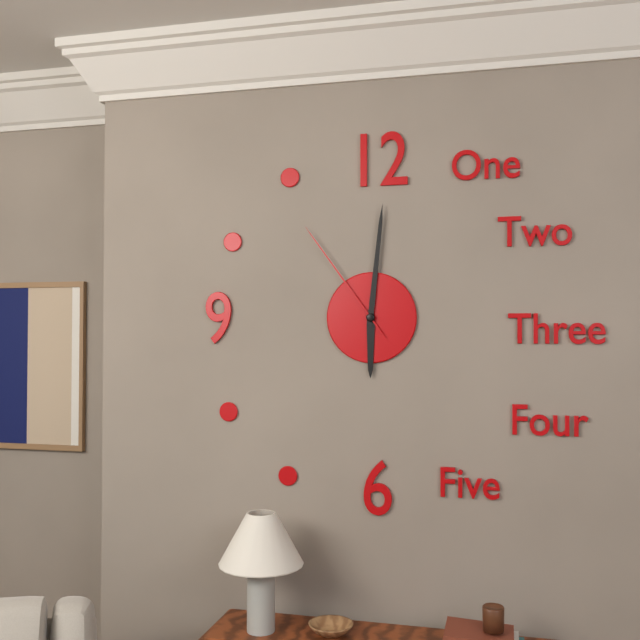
6,01,54
